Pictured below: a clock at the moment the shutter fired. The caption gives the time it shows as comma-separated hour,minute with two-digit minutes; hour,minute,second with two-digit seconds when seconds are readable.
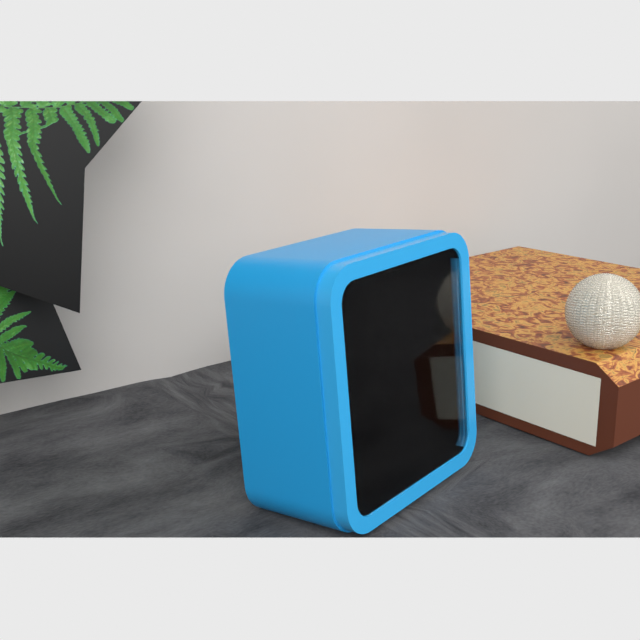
12,26
